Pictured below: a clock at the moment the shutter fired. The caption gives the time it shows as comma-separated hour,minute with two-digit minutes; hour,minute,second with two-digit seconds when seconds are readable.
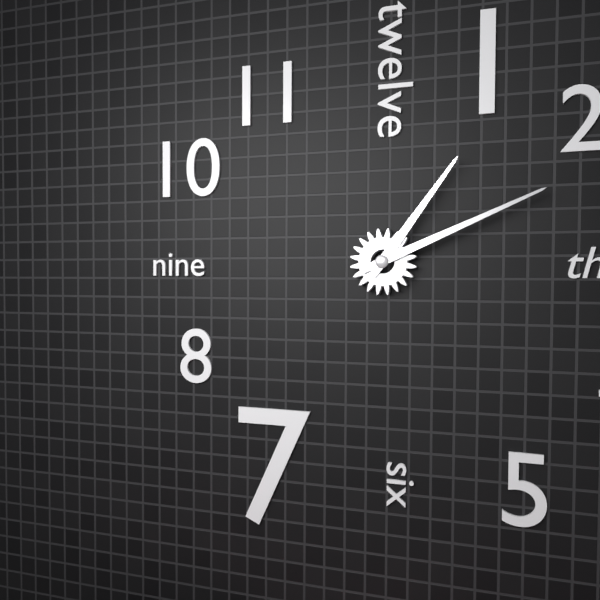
1,11
